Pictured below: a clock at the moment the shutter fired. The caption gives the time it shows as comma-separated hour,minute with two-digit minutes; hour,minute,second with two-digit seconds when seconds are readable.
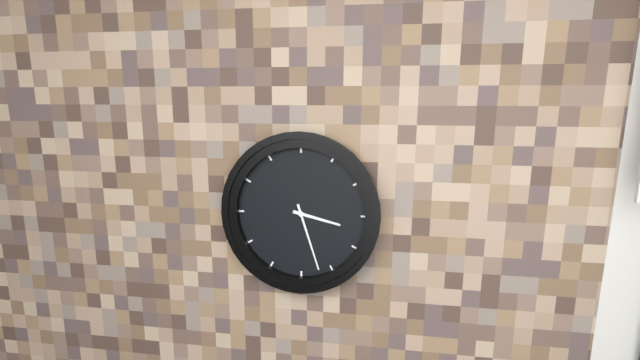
3,27
